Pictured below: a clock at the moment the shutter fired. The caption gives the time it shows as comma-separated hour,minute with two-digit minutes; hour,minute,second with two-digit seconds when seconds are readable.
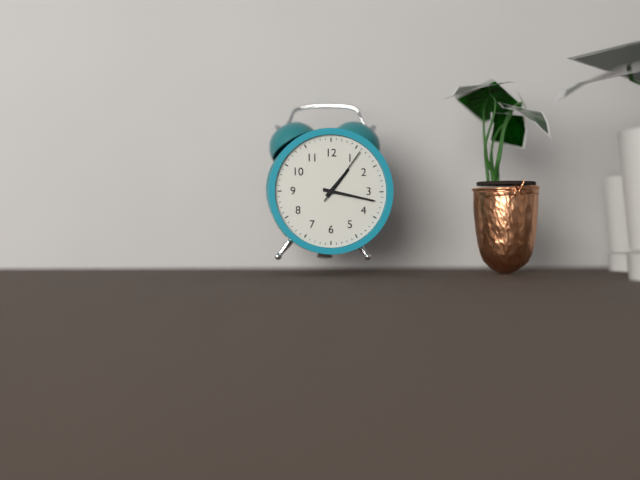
1,17,06
